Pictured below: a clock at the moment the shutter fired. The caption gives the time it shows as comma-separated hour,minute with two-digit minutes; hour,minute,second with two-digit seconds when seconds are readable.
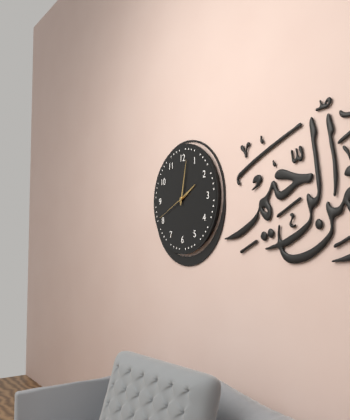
2,02
